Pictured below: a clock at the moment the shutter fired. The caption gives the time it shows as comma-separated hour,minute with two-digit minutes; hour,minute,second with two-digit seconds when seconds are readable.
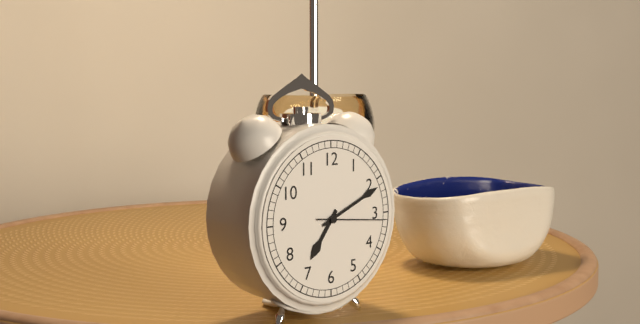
7,11,16
